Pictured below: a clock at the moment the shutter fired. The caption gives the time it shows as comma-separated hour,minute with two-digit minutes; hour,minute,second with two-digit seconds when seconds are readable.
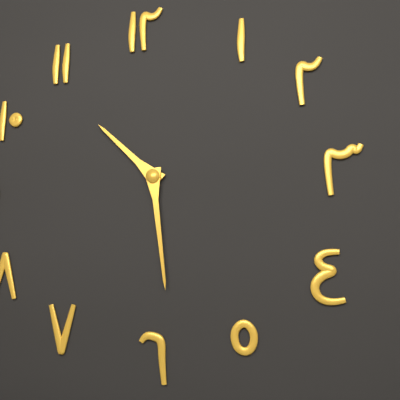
10,29
